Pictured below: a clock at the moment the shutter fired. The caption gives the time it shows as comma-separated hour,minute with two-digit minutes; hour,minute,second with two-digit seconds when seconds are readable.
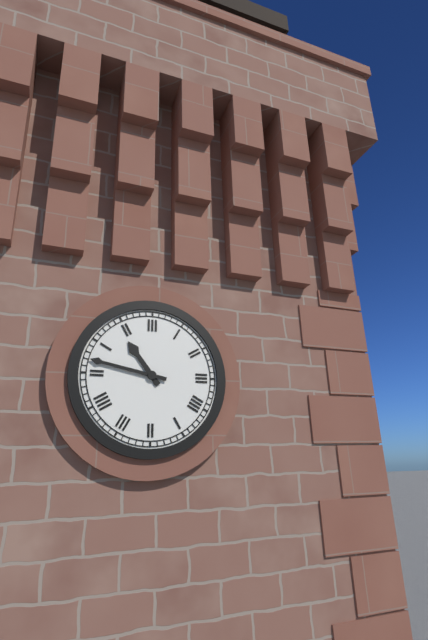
10,47
